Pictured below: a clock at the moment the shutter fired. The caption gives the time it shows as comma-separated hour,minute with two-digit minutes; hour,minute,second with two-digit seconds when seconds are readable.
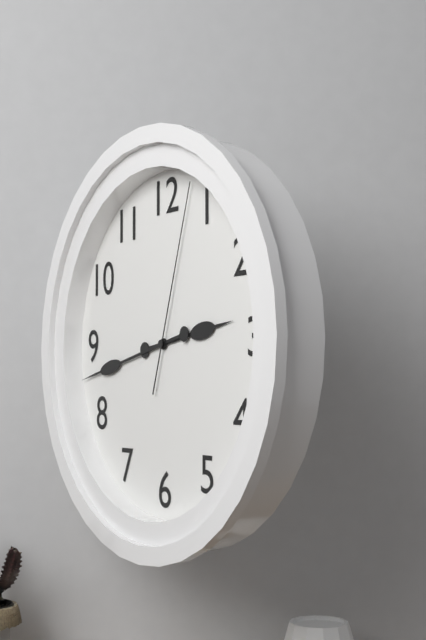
2,43,03
